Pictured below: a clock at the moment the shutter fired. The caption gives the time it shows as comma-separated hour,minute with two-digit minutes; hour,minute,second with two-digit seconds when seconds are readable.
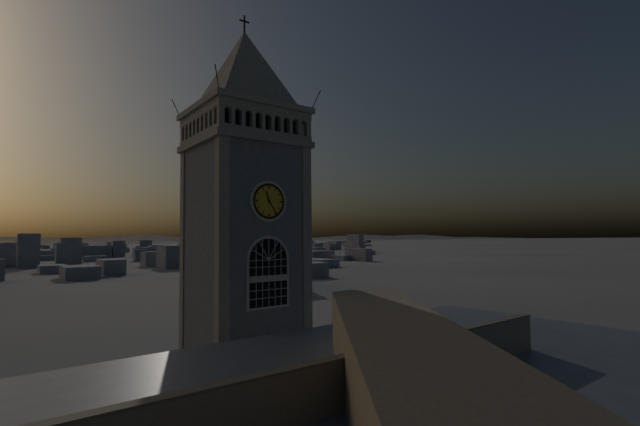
11,24
